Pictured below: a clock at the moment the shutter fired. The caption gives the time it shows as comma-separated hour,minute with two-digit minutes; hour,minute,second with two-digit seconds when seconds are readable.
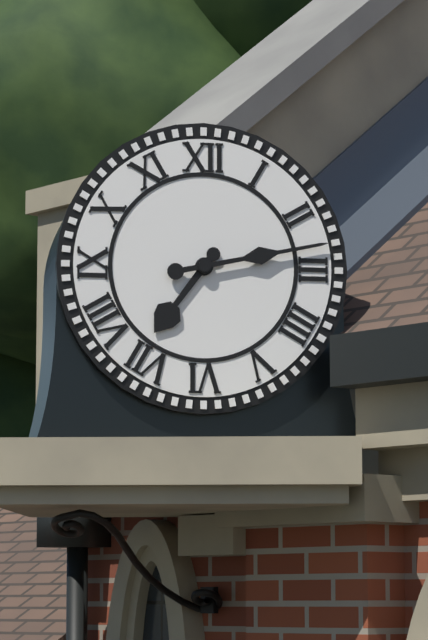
7,13
